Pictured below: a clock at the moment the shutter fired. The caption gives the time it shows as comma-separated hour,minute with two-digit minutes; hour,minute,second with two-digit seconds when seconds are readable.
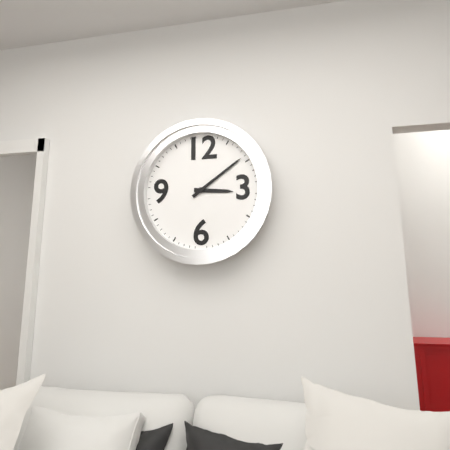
3,09
